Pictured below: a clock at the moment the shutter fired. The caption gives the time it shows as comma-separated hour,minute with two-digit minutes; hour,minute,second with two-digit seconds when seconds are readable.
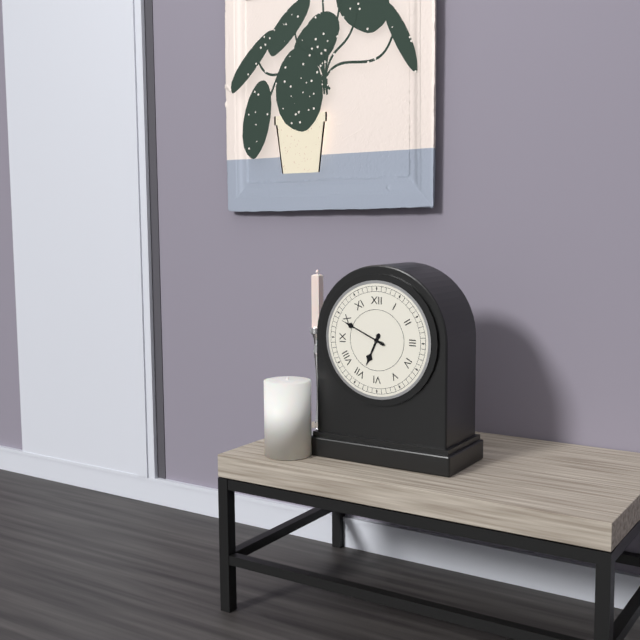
6,49
